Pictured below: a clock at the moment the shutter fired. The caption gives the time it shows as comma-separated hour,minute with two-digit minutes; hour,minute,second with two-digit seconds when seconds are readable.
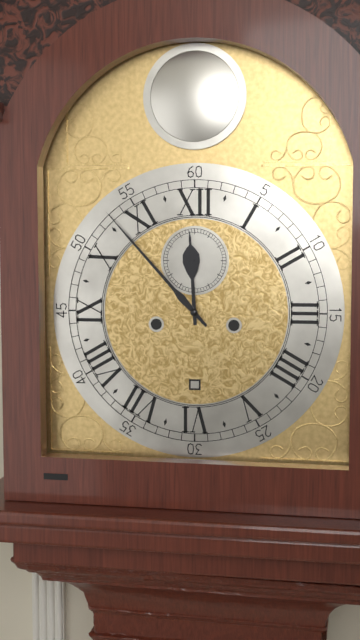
11,53
